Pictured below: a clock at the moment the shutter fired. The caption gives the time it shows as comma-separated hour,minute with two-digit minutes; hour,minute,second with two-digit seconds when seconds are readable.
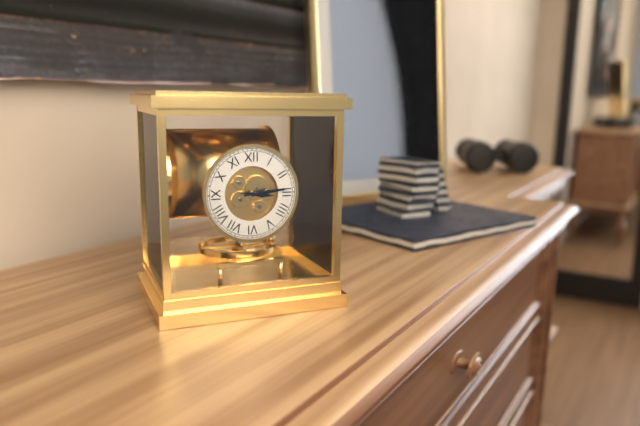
3,14
